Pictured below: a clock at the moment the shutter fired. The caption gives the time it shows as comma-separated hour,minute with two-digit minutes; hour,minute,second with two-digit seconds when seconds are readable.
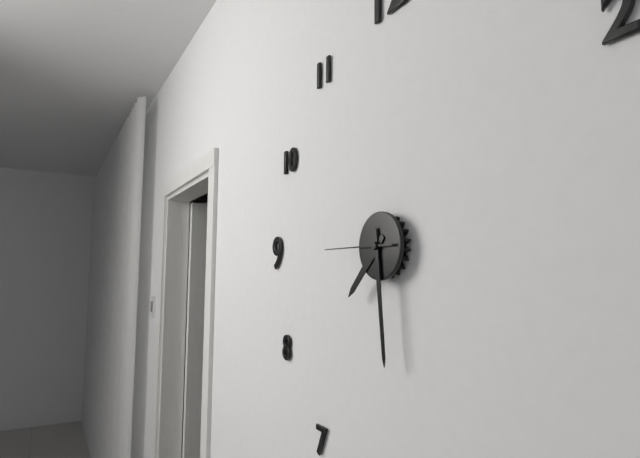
7,29,45
